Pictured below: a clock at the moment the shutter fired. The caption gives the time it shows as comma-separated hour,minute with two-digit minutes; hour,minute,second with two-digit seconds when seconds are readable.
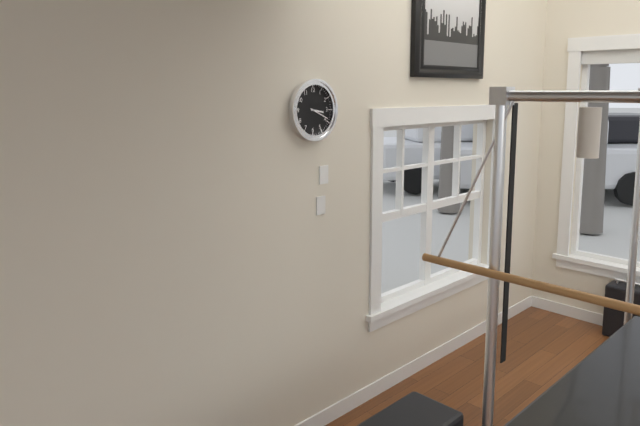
3,19
